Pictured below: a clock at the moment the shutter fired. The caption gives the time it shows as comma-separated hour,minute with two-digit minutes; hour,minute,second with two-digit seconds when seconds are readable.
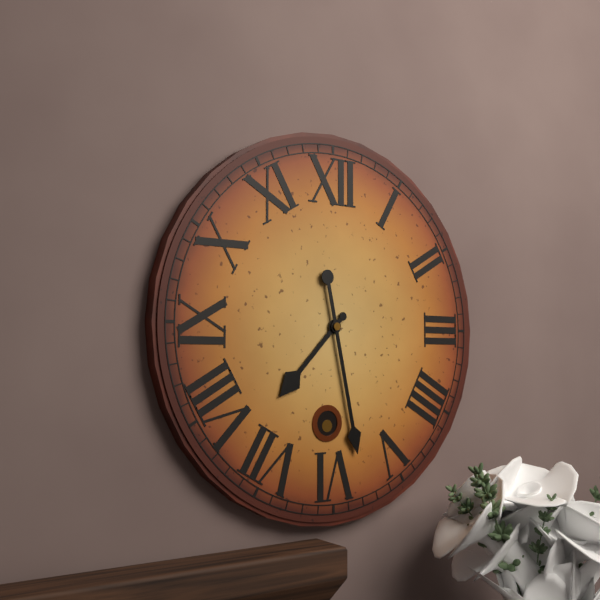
7,28
